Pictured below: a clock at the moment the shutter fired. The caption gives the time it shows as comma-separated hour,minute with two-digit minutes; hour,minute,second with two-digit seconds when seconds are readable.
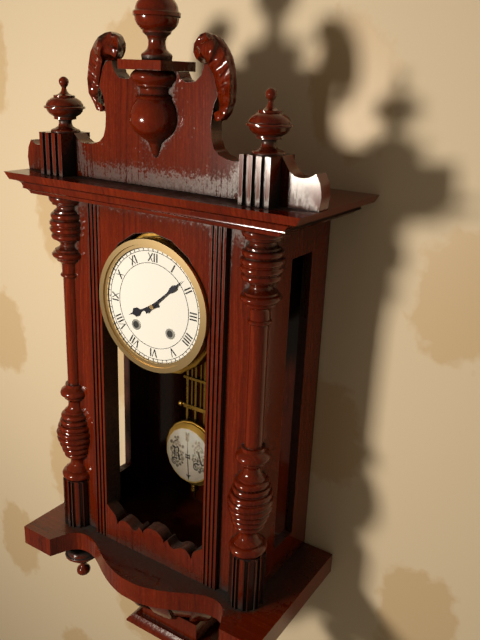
8,08
